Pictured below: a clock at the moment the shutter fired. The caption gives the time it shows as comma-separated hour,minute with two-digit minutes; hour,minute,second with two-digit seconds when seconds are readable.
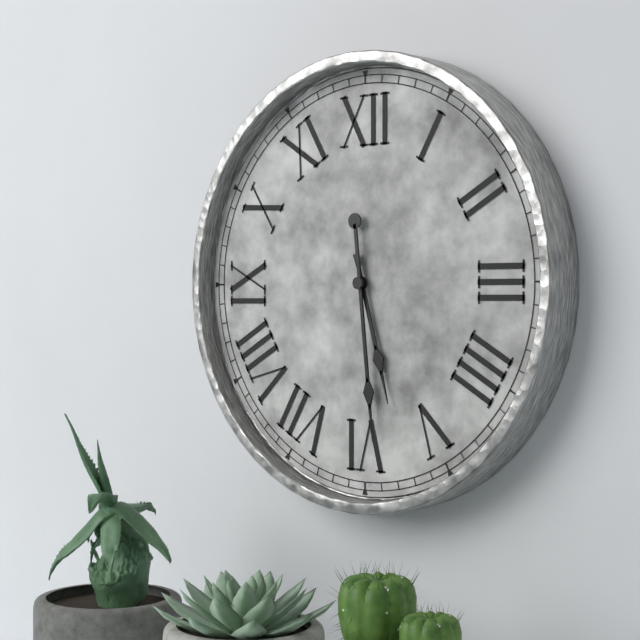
5,29
